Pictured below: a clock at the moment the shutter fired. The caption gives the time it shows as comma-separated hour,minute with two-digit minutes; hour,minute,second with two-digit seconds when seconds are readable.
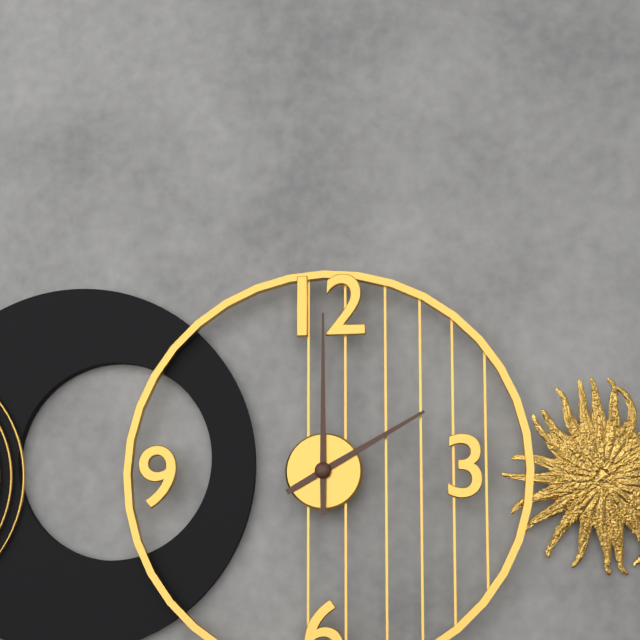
2,00
